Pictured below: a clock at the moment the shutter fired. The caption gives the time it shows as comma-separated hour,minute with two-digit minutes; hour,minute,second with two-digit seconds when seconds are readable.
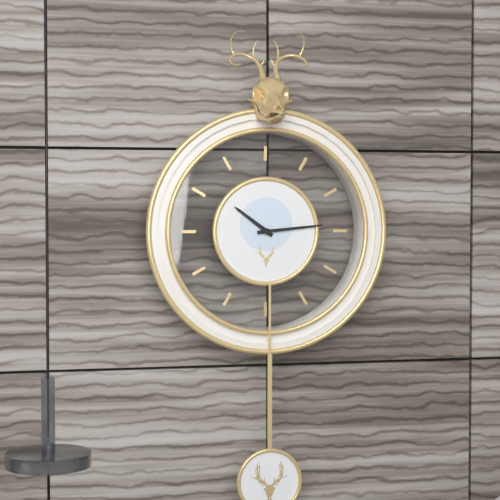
10,14
